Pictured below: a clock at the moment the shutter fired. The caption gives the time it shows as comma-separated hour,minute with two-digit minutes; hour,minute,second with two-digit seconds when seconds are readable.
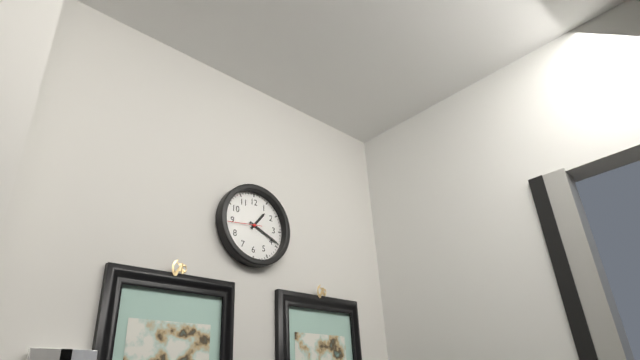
1,19
